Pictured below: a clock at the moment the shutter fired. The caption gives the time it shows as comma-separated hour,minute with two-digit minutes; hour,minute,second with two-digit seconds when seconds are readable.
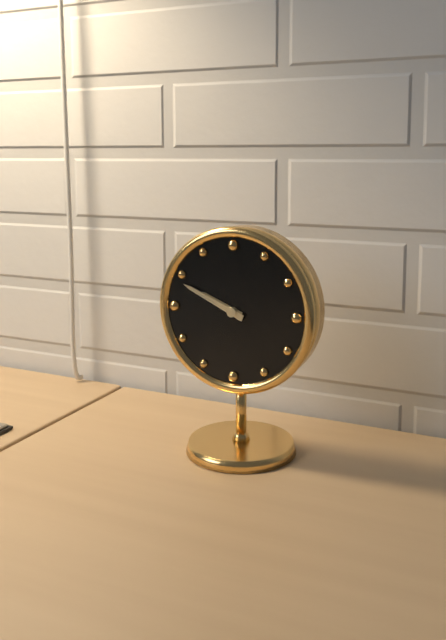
9,49
